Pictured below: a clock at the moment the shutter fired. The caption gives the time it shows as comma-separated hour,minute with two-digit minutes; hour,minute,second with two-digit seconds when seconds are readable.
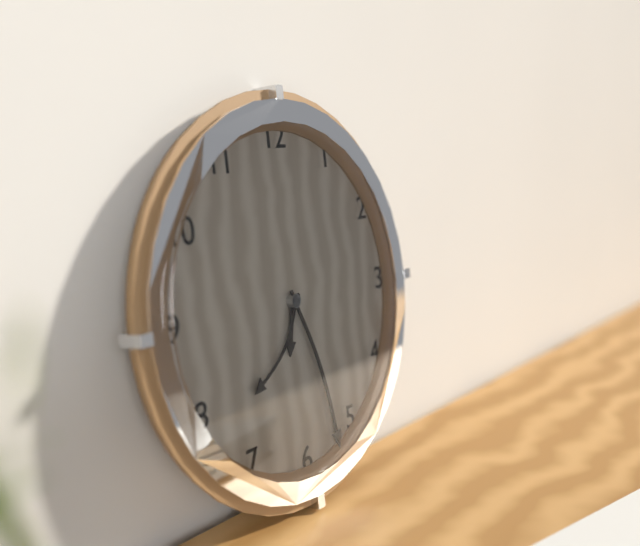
6,27,37
